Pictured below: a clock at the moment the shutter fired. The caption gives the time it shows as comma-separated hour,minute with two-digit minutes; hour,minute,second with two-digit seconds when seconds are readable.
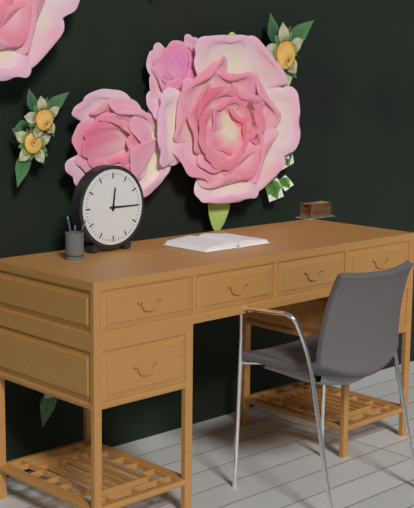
12,15
